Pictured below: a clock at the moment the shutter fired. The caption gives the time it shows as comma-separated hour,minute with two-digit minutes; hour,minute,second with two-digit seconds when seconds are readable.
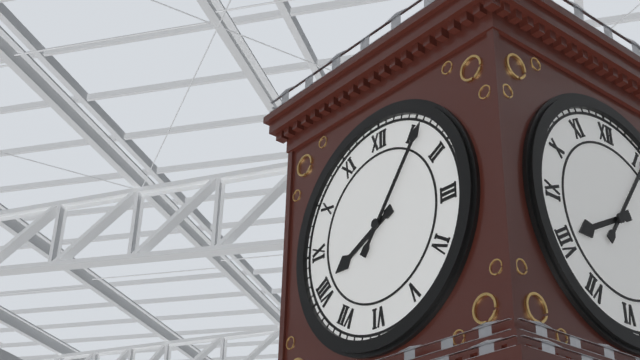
8,06
